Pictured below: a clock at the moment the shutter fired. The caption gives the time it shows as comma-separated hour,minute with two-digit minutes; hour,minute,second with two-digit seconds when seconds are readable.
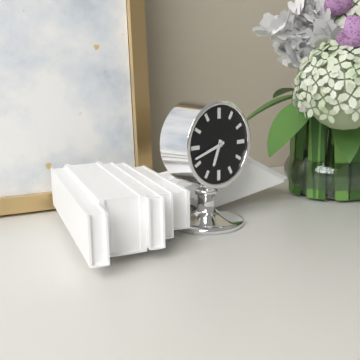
6,42
